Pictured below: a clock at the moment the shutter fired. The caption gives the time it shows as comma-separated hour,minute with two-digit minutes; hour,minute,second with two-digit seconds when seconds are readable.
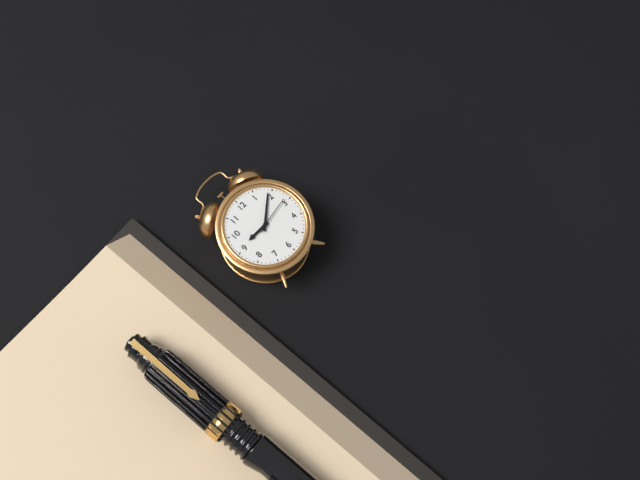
9,09
